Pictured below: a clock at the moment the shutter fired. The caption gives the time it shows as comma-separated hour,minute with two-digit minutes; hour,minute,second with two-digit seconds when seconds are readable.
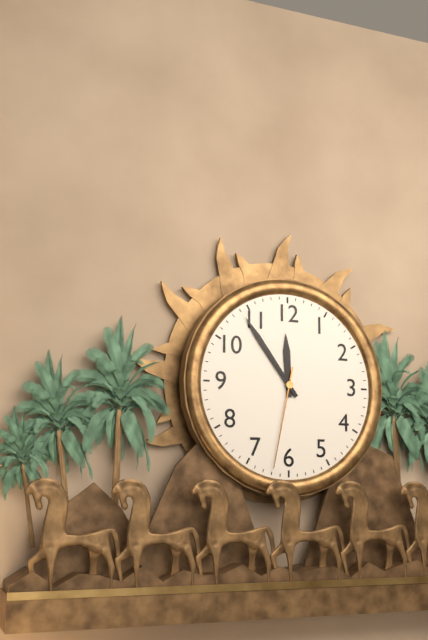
11,54,32
